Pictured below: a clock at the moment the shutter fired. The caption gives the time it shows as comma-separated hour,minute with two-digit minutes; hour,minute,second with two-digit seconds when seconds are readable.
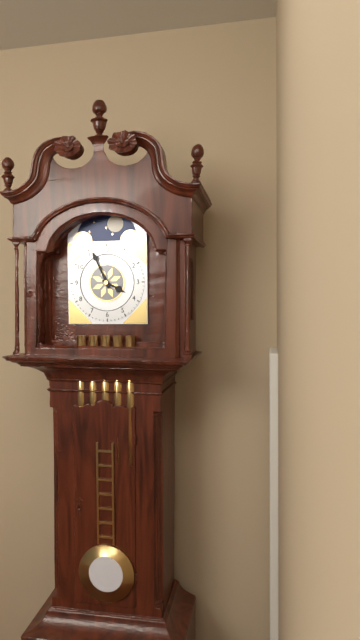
3,56
